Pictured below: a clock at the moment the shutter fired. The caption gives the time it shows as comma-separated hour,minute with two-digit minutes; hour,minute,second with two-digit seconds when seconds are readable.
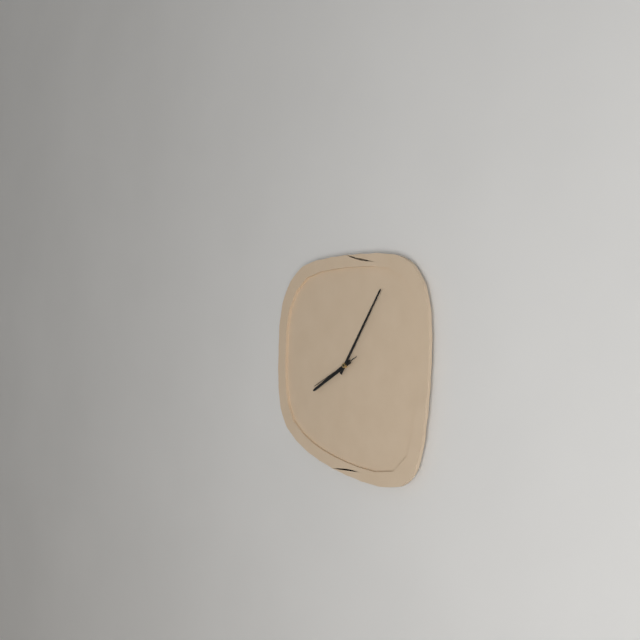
8,06
